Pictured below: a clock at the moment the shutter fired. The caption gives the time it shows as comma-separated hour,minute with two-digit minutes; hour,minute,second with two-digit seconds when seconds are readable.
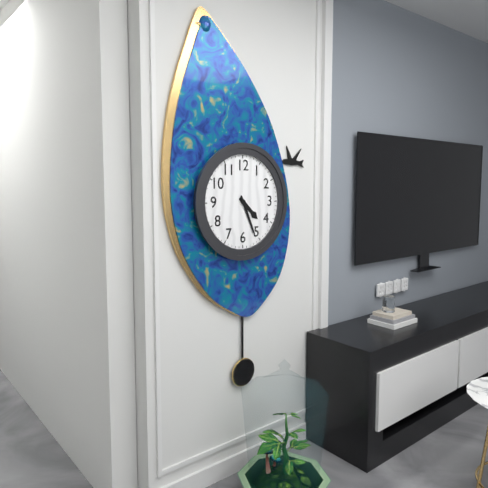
4,26
